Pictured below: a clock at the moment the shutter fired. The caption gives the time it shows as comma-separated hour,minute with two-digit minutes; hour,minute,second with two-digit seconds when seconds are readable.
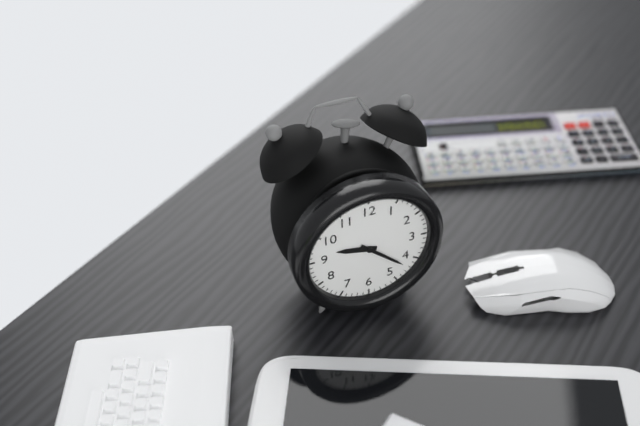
9,22
